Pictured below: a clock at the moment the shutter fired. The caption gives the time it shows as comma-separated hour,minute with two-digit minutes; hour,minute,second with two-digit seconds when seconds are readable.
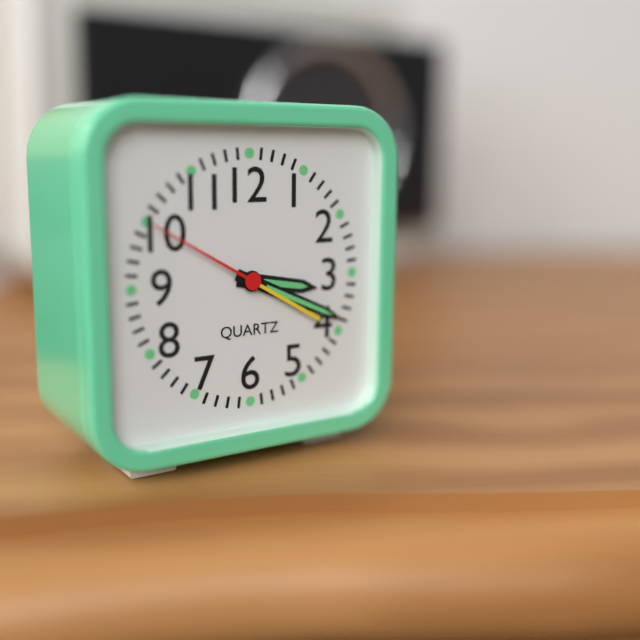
3,19,50
